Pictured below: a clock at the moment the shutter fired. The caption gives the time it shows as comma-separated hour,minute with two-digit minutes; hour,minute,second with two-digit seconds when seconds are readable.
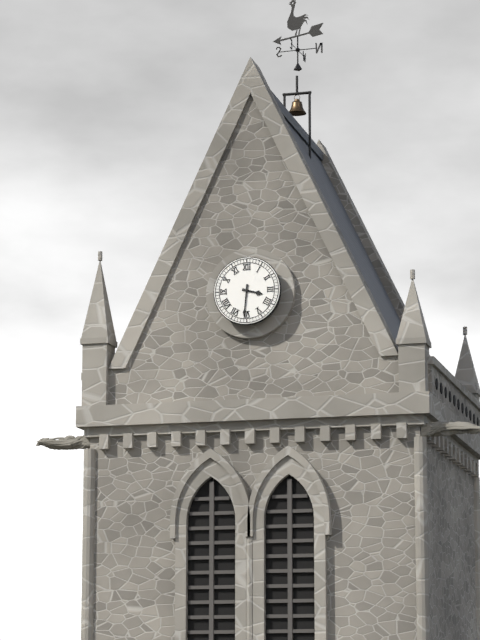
3,31
